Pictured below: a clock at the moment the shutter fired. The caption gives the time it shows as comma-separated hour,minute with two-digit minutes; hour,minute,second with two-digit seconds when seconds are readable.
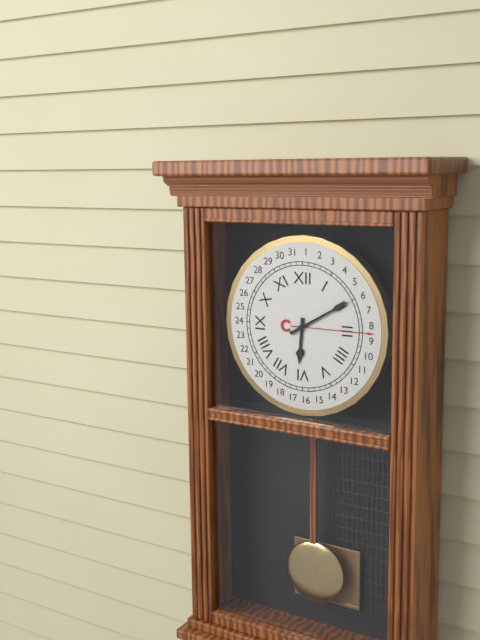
6,10
